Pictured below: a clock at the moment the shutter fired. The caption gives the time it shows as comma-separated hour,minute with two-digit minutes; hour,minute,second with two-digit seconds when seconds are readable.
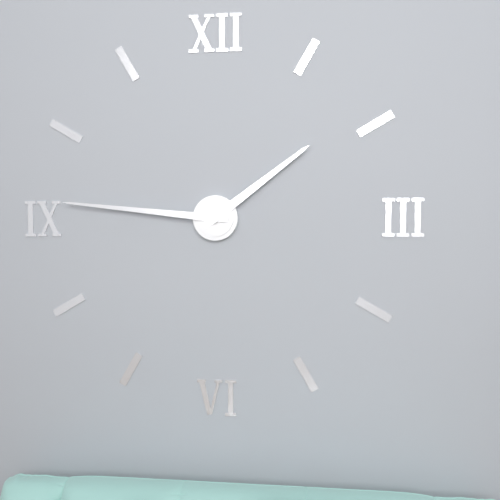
1,46
